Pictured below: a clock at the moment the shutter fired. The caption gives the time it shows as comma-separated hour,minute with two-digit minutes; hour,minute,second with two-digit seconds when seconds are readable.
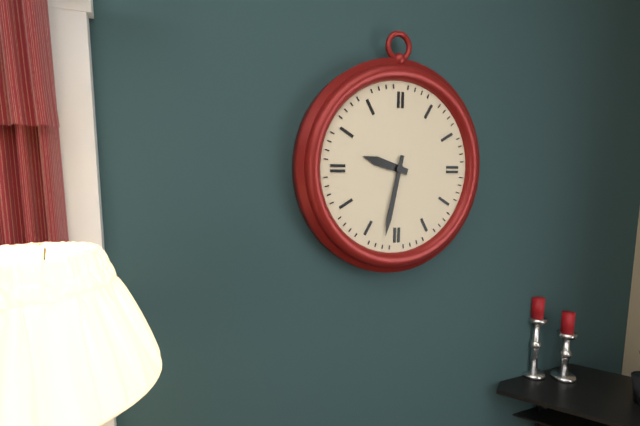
9,32
